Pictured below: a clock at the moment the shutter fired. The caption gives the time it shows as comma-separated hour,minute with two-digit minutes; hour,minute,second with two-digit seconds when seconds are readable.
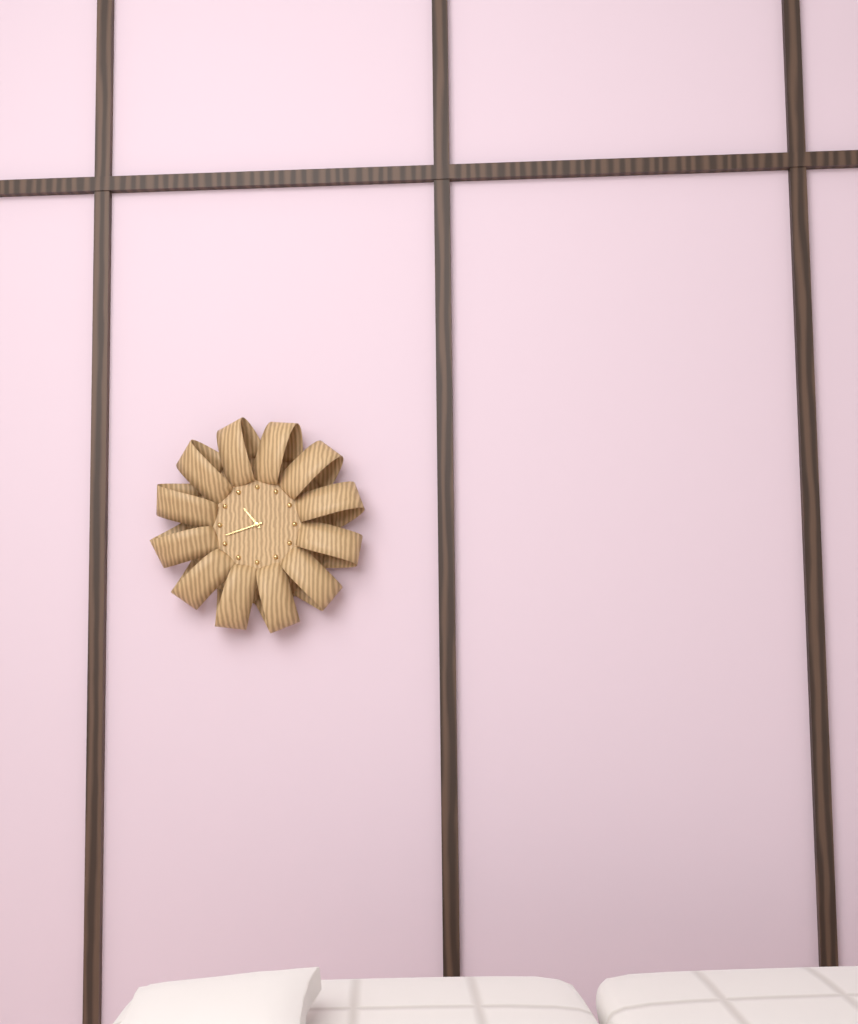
10,42
